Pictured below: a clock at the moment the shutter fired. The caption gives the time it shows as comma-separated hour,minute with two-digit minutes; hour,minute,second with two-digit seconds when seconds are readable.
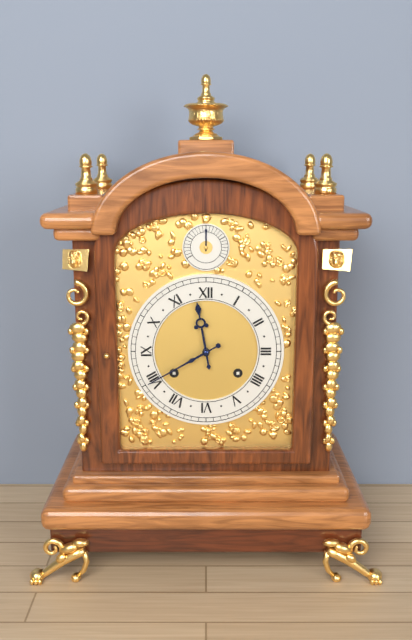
11,40
